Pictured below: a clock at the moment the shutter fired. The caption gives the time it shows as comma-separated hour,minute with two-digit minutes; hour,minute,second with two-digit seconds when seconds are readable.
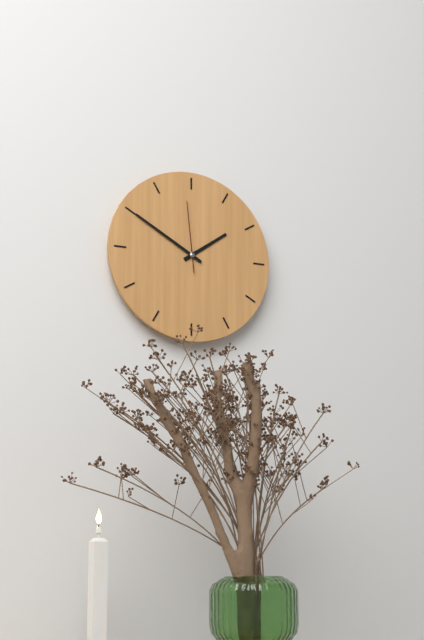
1,50,59
